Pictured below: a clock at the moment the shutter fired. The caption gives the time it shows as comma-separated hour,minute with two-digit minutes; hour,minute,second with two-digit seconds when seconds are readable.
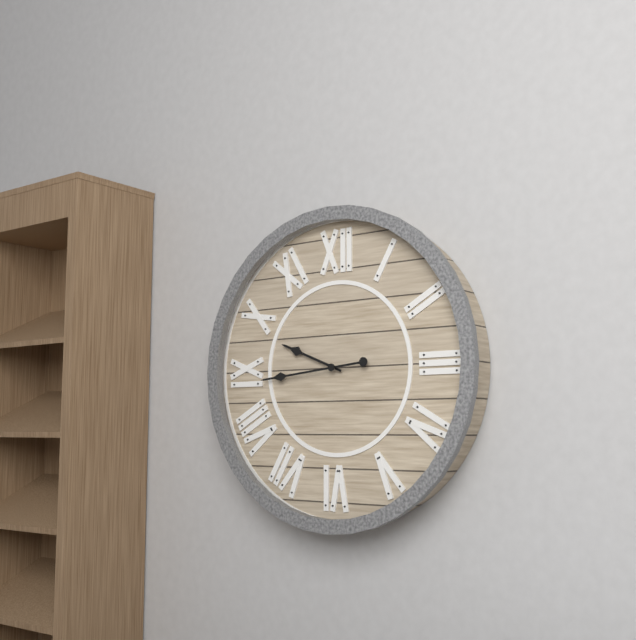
9,44
